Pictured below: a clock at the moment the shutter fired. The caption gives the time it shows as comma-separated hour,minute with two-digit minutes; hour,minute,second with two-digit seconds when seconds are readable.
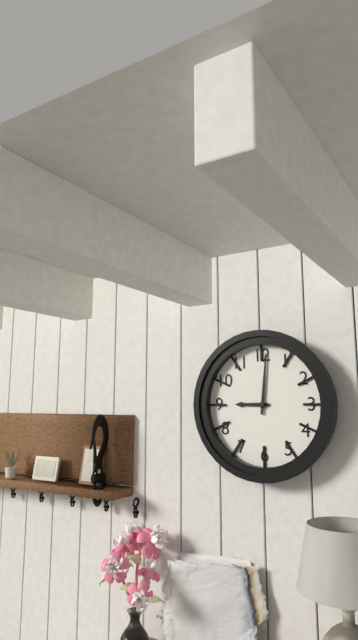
9,01
